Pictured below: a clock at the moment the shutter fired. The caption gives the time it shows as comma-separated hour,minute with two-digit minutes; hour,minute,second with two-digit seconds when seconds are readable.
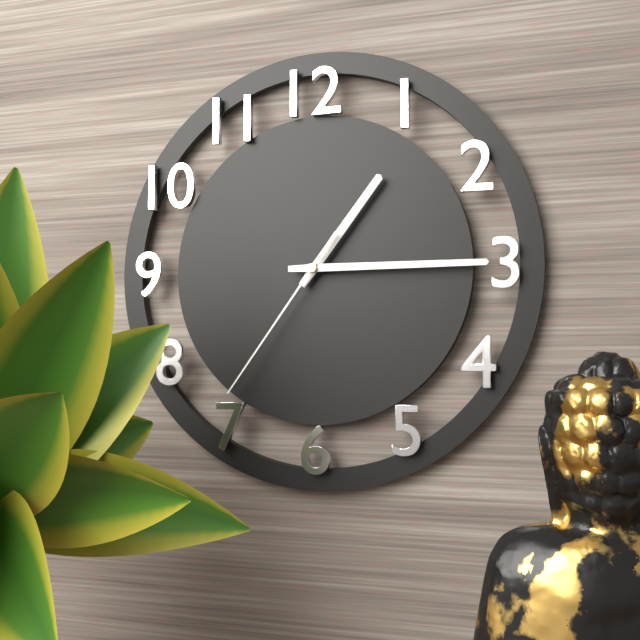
1,15,36
